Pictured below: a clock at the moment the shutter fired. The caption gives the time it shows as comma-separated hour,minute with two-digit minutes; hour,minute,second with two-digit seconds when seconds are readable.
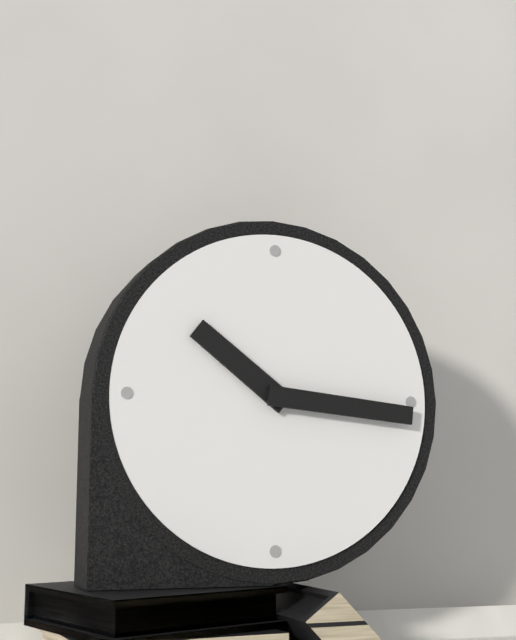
10,16
